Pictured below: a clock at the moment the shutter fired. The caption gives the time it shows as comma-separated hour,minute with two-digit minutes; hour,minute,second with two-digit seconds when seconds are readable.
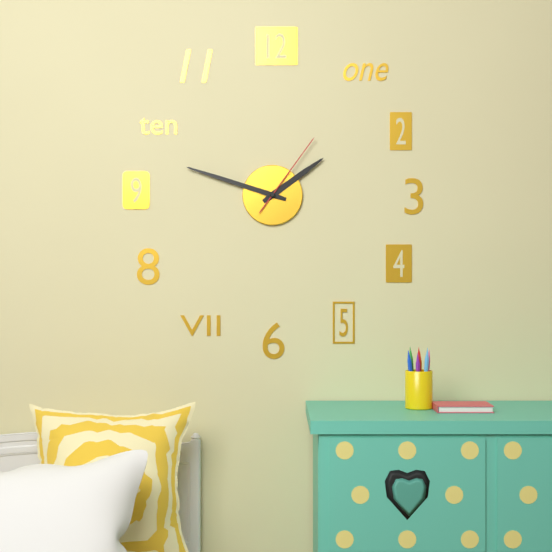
1,48,06
